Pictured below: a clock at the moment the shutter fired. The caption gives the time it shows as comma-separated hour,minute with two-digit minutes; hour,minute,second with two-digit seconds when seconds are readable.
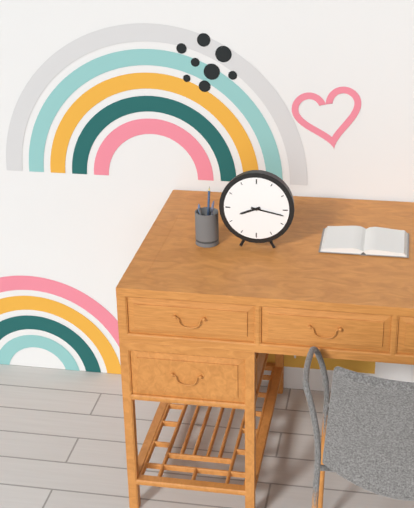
8,17
